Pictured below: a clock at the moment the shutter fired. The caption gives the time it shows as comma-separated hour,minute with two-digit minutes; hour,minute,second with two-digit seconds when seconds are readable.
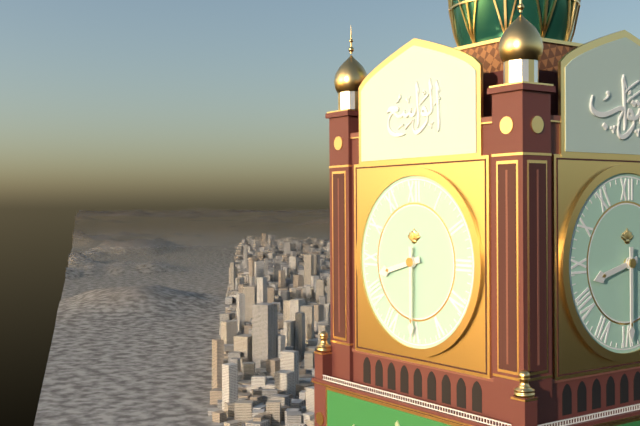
8,30
